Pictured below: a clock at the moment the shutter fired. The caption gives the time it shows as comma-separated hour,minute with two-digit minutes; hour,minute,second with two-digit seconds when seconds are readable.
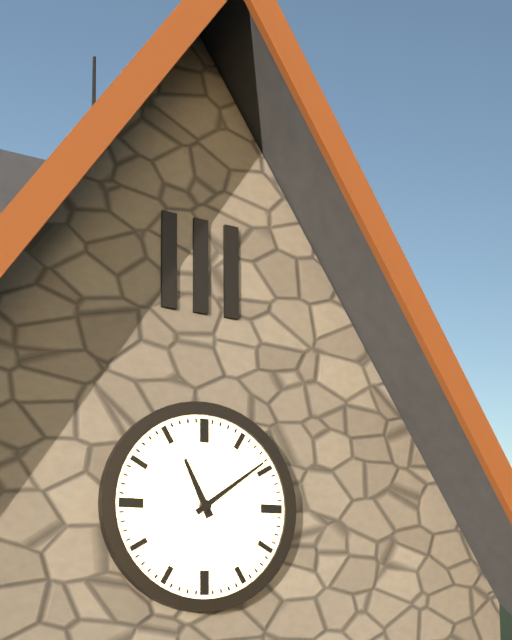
11,09
